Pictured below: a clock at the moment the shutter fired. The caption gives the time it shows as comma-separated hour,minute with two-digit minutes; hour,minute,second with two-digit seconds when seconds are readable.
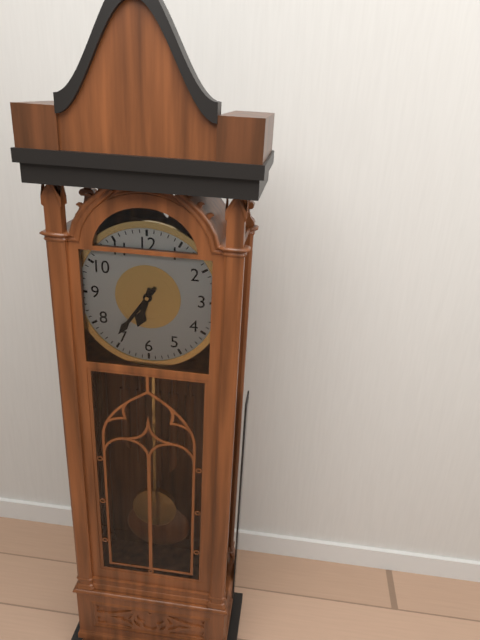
6,36
